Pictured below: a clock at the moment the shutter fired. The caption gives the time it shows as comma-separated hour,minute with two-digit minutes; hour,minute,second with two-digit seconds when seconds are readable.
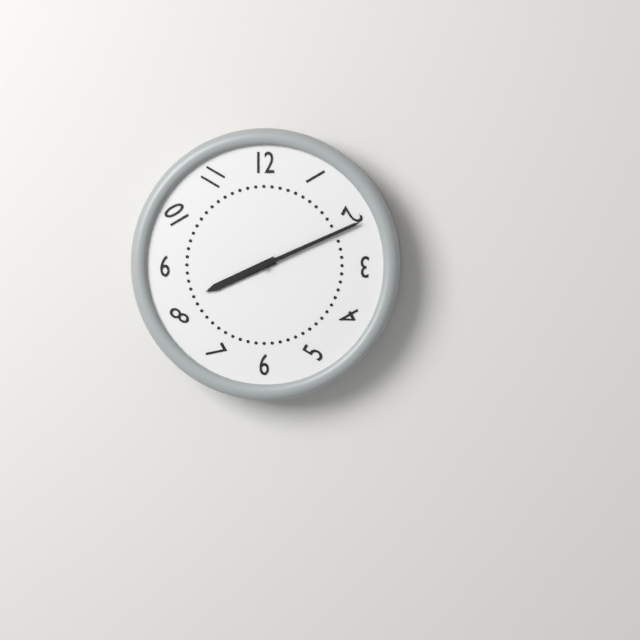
8,11
